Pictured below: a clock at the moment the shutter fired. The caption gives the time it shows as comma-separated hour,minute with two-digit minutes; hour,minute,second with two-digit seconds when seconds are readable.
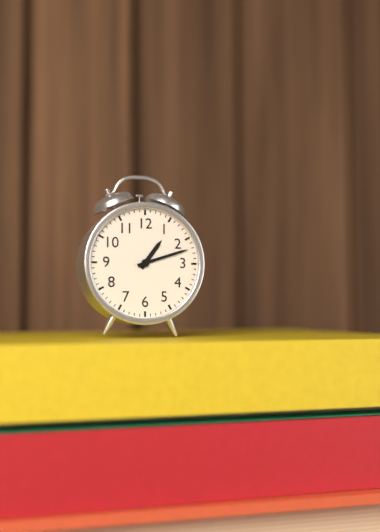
1,12
